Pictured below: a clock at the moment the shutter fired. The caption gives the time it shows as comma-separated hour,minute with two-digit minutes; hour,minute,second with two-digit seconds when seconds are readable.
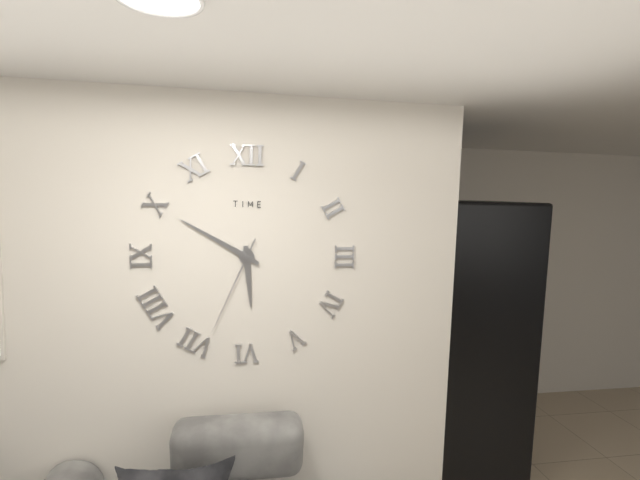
5,50,34
